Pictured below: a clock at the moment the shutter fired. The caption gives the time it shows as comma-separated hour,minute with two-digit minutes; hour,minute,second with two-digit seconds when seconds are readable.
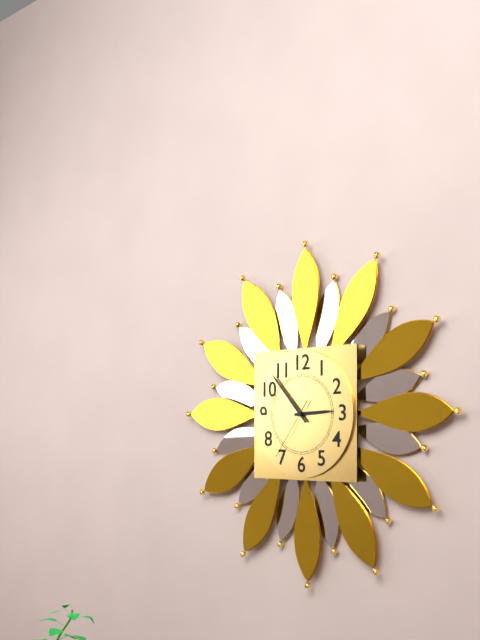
2,53,36
